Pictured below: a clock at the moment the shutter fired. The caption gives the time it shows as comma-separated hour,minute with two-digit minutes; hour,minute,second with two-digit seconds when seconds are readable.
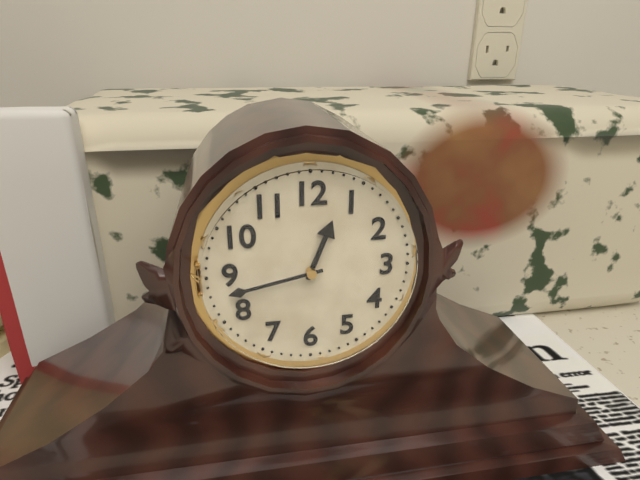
12,43
